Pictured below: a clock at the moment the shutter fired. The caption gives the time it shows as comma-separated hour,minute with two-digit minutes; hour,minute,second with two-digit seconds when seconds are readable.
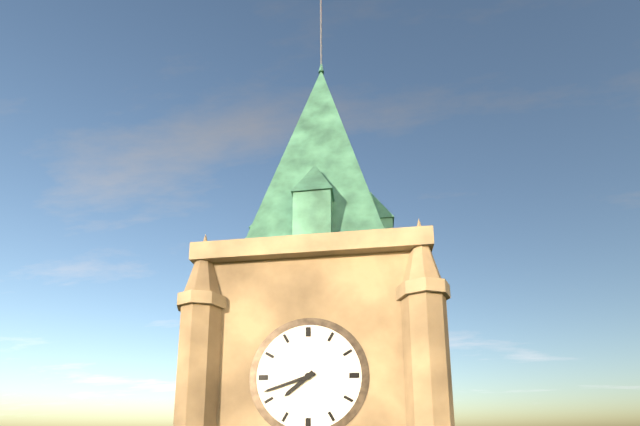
7,42
